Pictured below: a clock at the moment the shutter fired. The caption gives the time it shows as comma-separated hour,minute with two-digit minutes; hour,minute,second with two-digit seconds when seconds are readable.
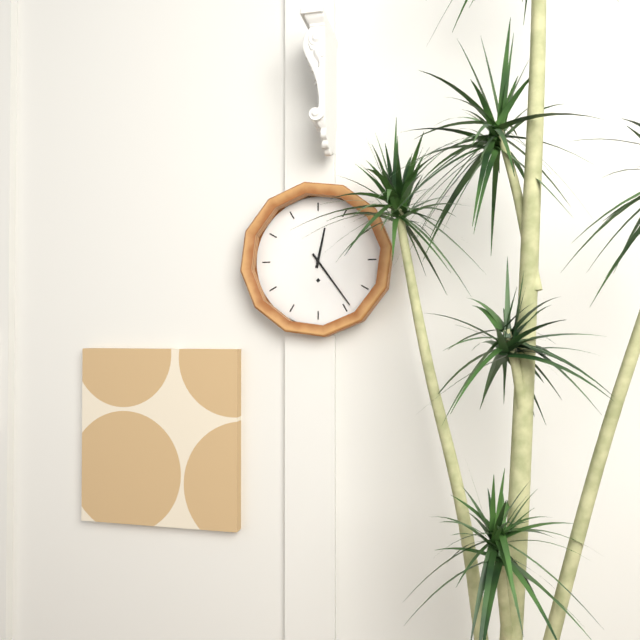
12,24
